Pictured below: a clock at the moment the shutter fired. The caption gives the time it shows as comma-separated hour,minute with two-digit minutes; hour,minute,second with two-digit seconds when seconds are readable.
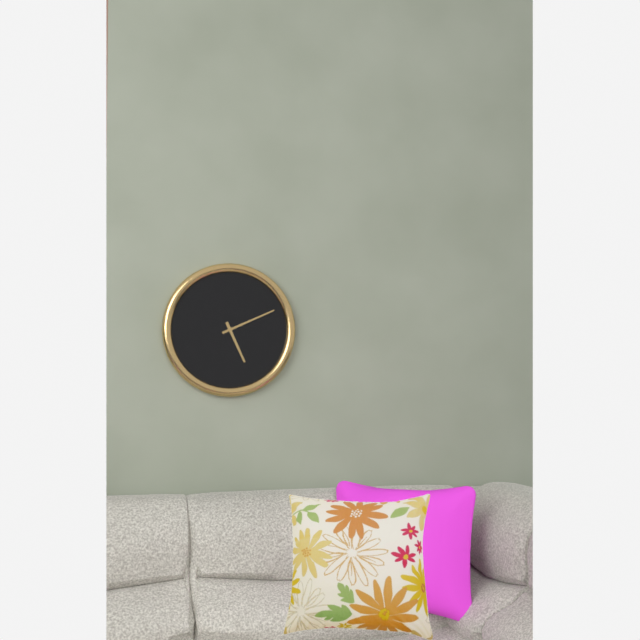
5,11
